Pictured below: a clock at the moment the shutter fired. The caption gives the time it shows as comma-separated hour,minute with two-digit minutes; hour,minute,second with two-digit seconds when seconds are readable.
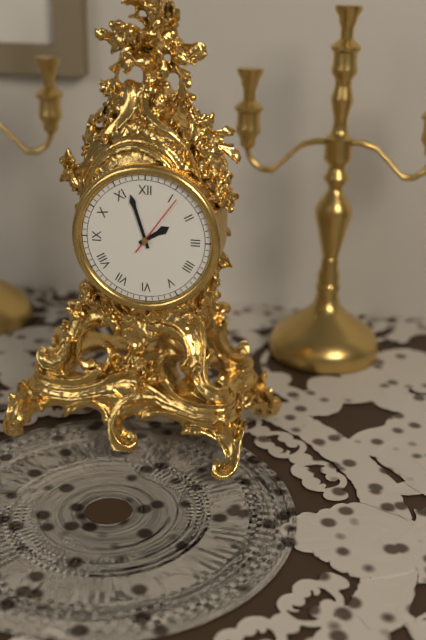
1,57,06
